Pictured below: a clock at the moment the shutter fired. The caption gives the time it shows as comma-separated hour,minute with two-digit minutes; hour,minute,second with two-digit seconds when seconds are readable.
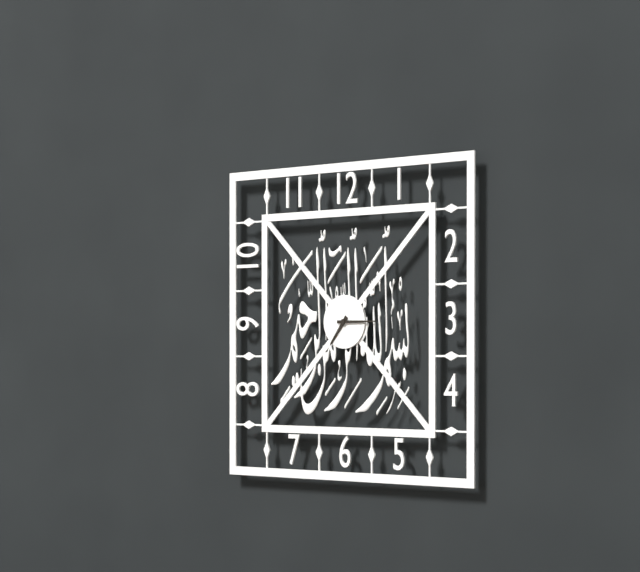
7,15
